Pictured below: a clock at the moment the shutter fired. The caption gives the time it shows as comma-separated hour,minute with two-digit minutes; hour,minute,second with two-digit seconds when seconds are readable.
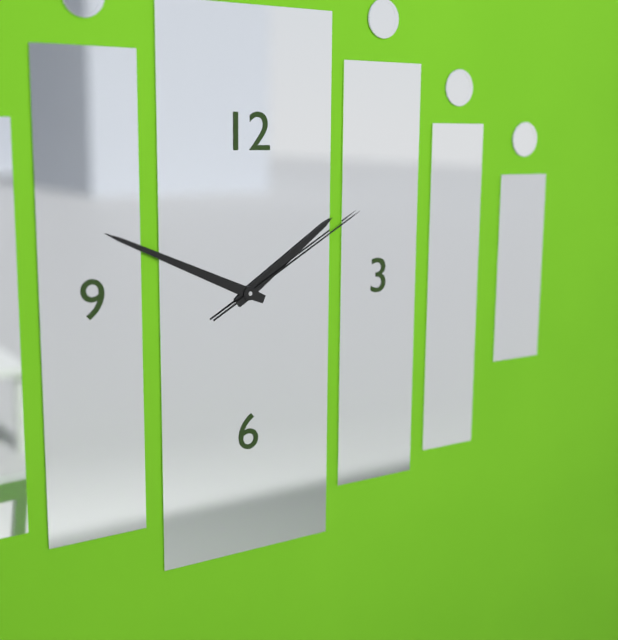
1,49,10
